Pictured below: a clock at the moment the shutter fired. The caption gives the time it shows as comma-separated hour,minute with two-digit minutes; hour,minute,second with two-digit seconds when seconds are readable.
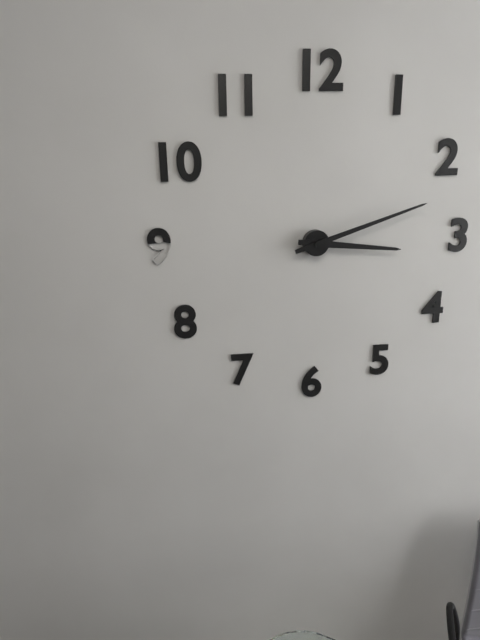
3,12
